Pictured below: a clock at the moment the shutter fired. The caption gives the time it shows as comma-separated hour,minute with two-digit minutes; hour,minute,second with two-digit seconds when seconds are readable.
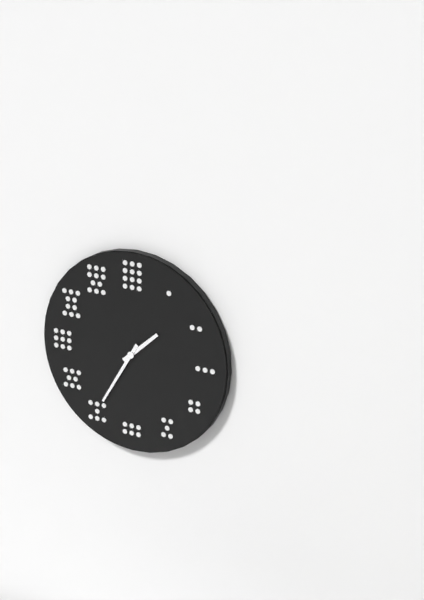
1,35
